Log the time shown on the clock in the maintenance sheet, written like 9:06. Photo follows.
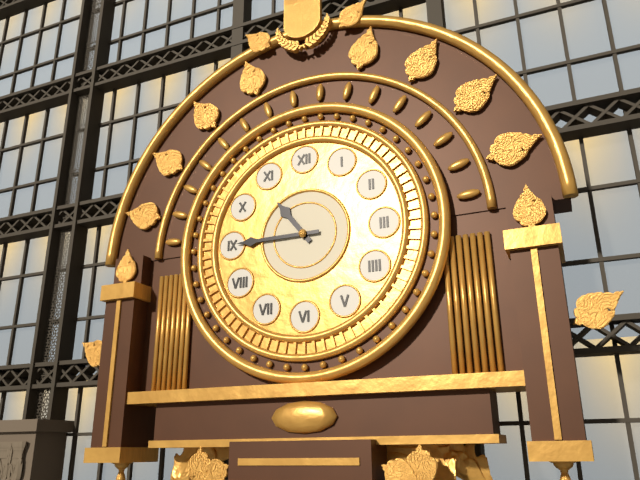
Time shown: 10:45
